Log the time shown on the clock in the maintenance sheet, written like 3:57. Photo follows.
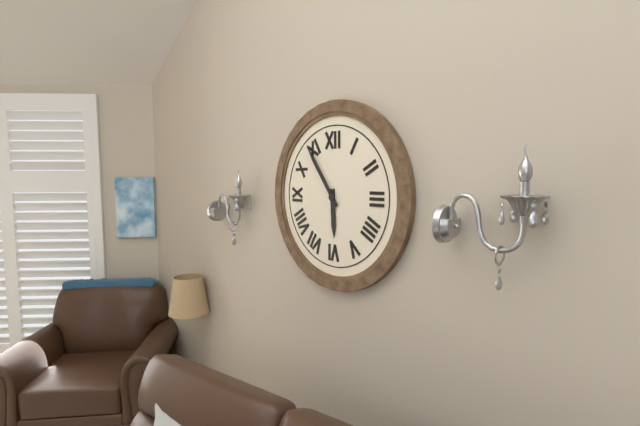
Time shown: 5:54
